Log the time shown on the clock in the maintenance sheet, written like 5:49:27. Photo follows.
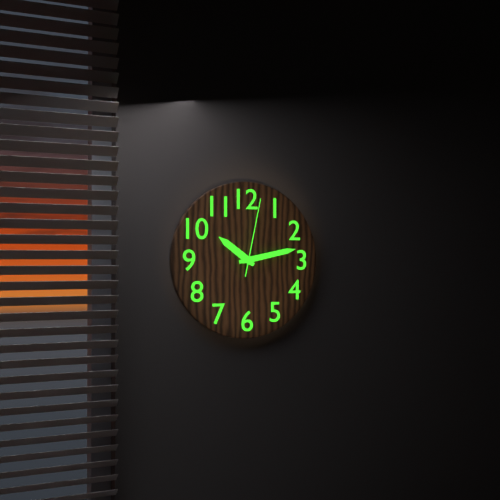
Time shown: 10:13:02
